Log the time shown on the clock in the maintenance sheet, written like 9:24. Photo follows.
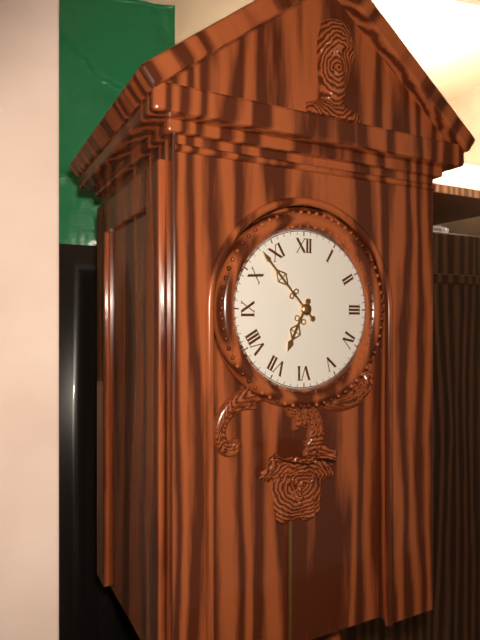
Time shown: 6:53
